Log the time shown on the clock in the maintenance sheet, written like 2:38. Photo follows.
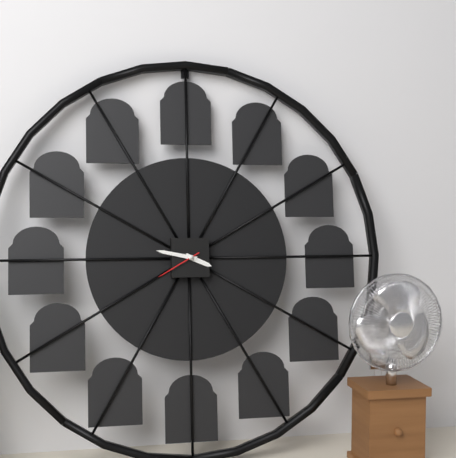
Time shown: 3:47
